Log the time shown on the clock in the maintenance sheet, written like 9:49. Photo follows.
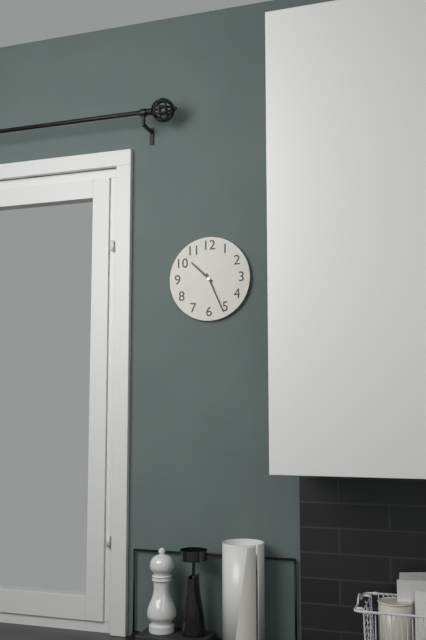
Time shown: 10:26
